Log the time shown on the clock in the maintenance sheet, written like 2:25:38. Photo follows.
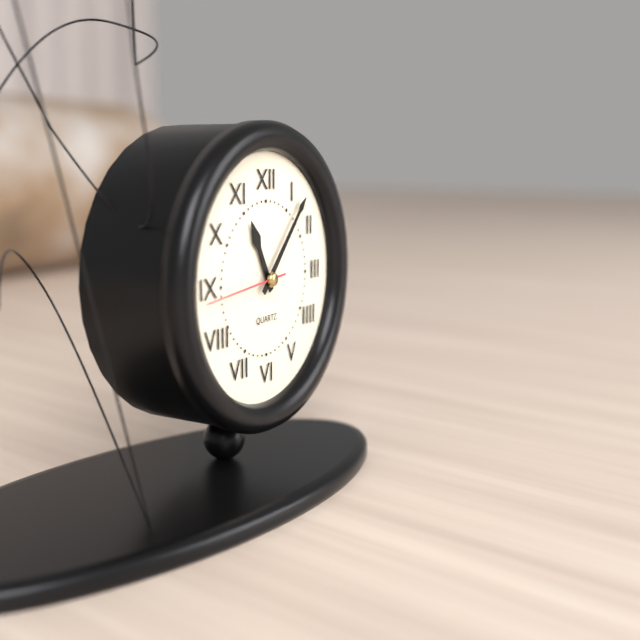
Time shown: 11:07:44
